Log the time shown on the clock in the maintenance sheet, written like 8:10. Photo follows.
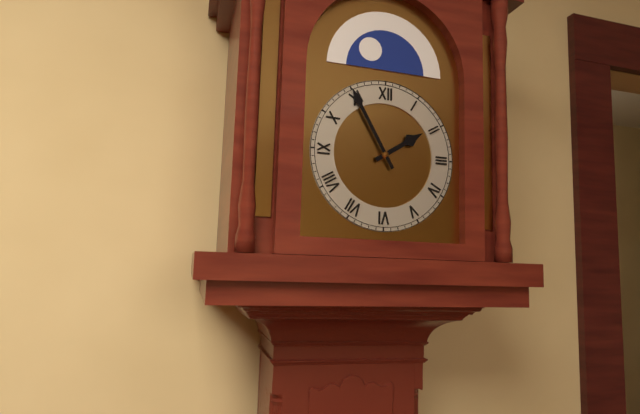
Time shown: 1:55
